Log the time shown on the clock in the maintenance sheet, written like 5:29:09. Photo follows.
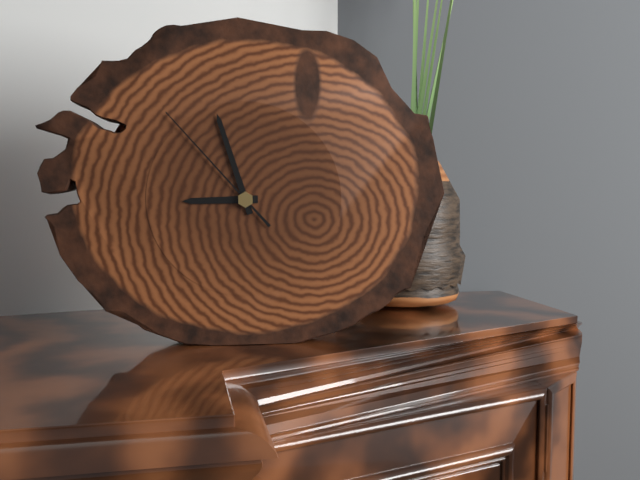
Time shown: 8:57:53
